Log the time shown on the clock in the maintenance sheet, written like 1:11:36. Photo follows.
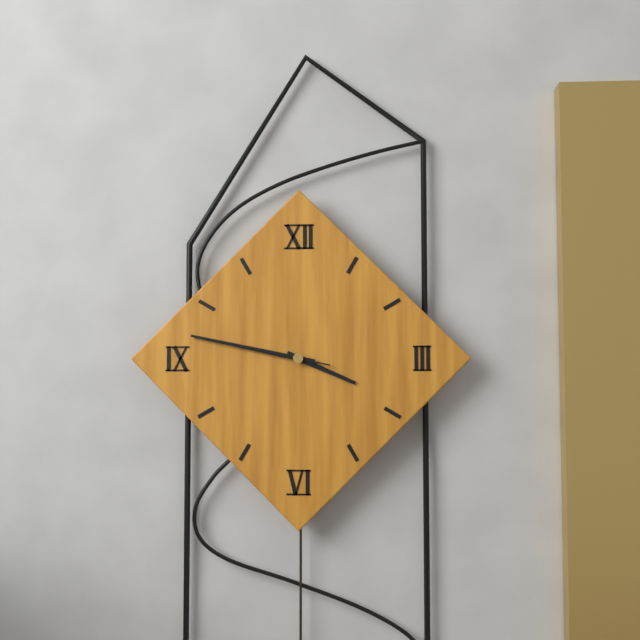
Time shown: 3:47:47
